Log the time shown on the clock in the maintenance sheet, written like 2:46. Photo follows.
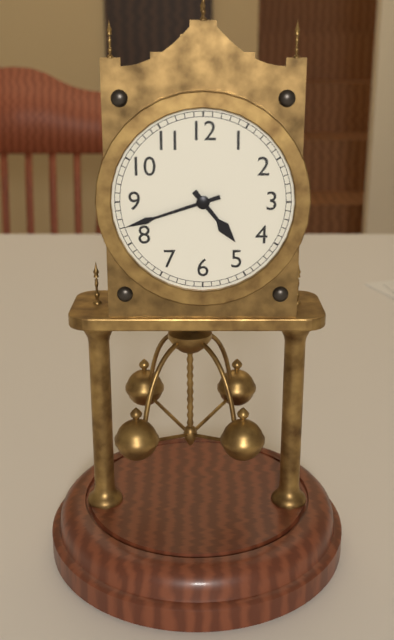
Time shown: 4:42
